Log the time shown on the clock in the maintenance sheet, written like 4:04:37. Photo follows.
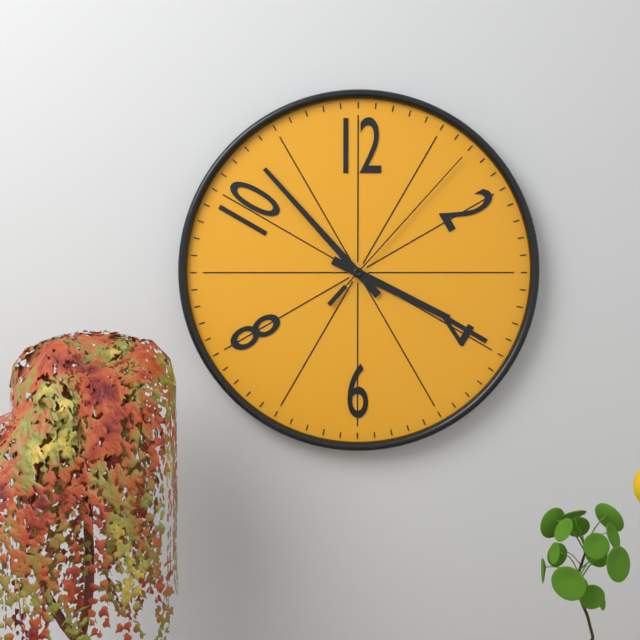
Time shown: 3:53:07
